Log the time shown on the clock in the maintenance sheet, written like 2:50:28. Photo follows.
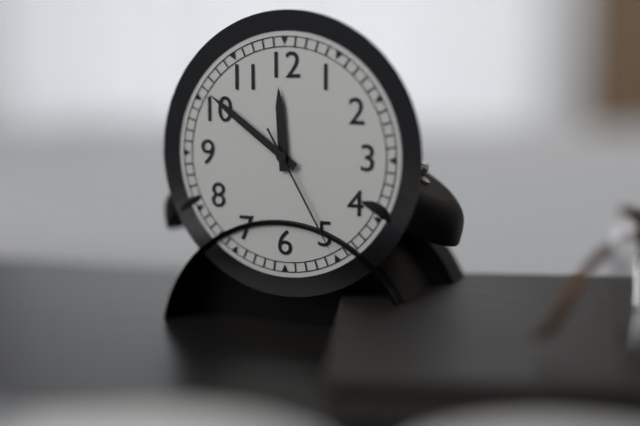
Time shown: 11:51:25
